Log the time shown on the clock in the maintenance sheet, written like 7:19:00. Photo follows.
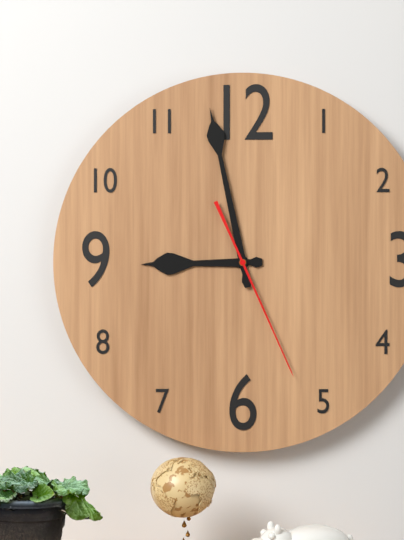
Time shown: 8:58:26
